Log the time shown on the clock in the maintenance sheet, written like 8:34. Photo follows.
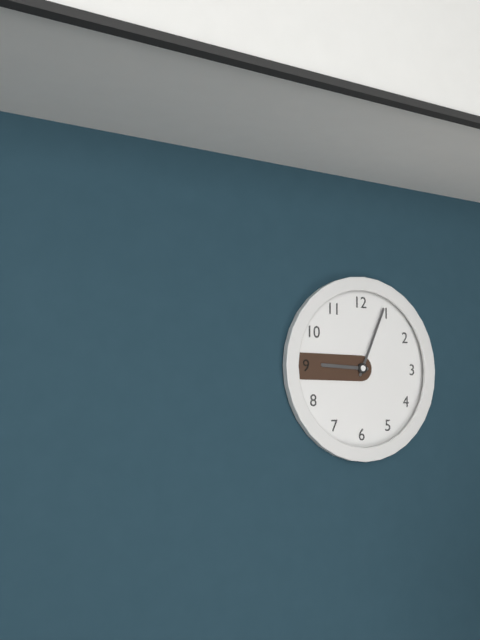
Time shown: 9:04
